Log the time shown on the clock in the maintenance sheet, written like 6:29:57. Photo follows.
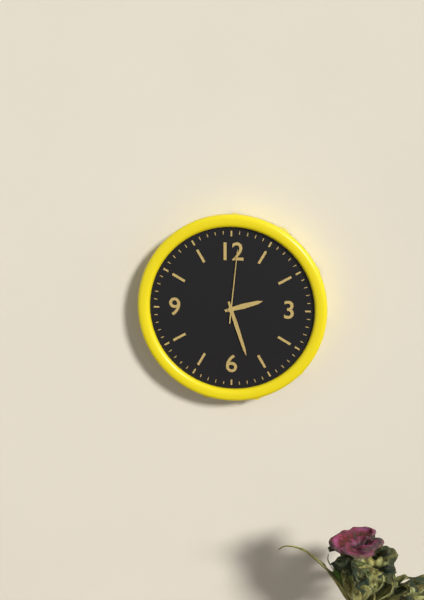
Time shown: 2:27:01
